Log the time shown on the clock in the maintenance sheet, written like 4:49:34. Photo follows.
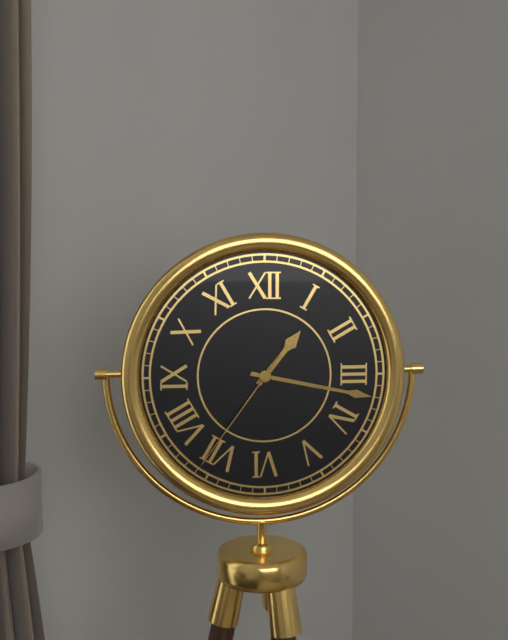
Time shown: 1:17:36
